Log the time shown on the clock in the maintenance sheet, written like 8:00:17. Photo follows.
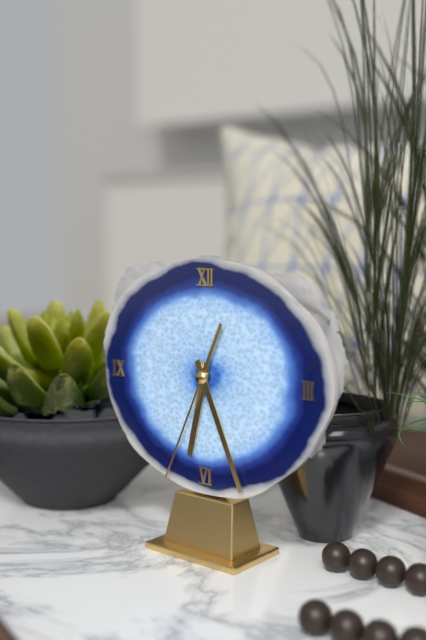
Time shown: 6:26:34
